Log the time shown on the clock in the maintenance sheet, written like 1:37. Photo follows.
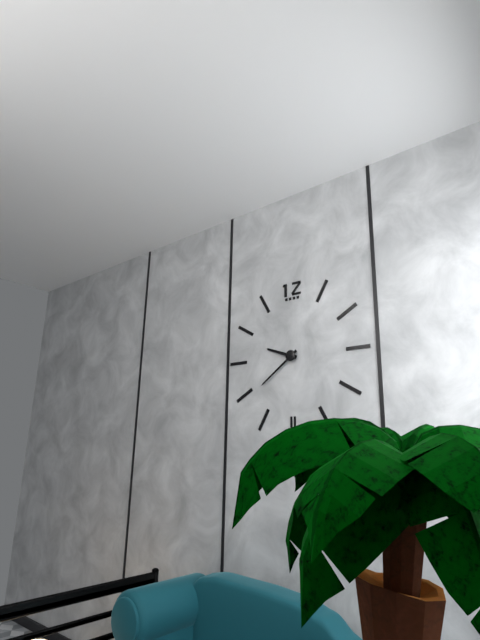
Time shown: 9:39
